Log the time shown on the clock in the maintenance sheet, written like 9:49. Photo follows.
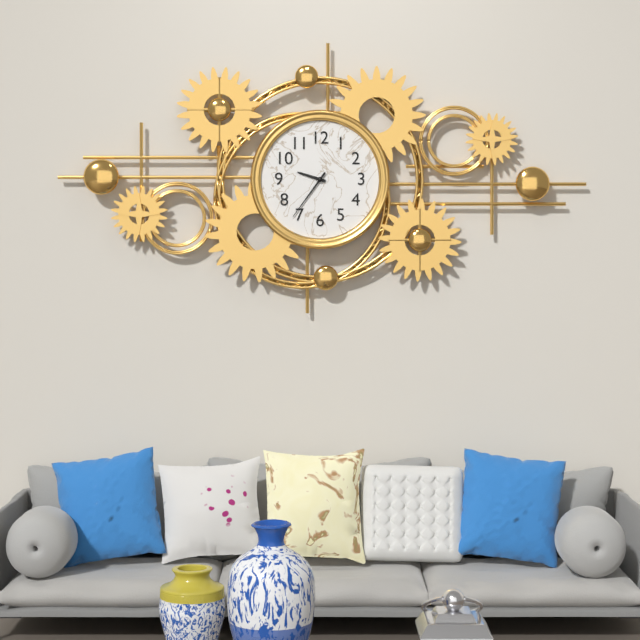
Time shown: 9:36
